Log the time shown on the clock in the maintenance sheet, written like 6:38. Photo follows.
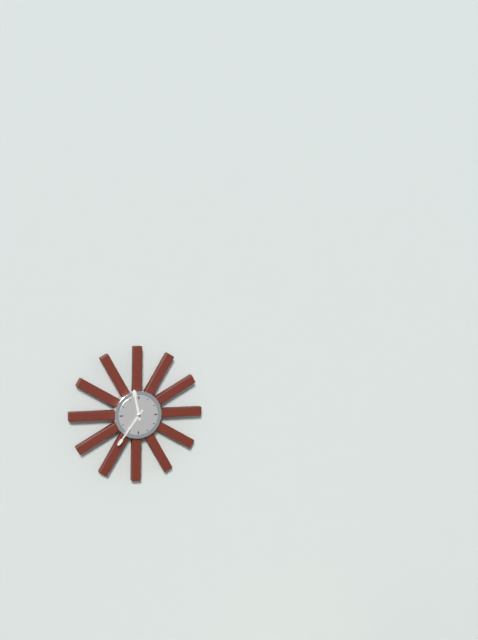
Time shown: 11:36
